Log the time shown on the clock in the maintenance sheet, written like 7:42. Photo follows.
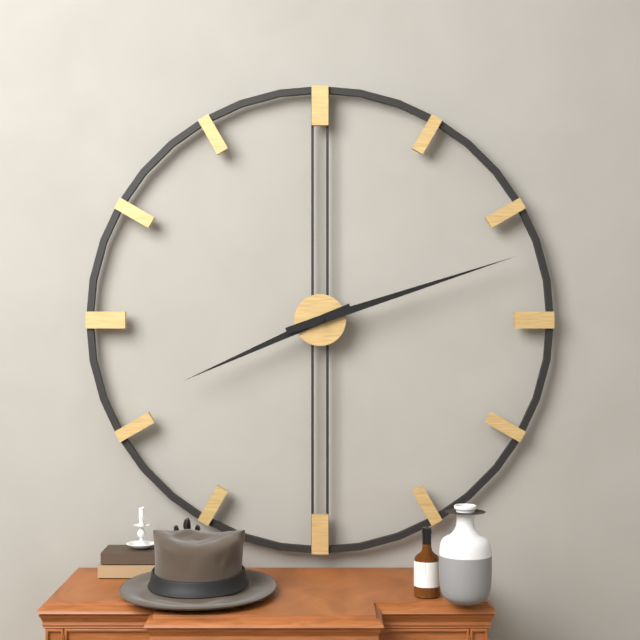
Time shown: 8:12
